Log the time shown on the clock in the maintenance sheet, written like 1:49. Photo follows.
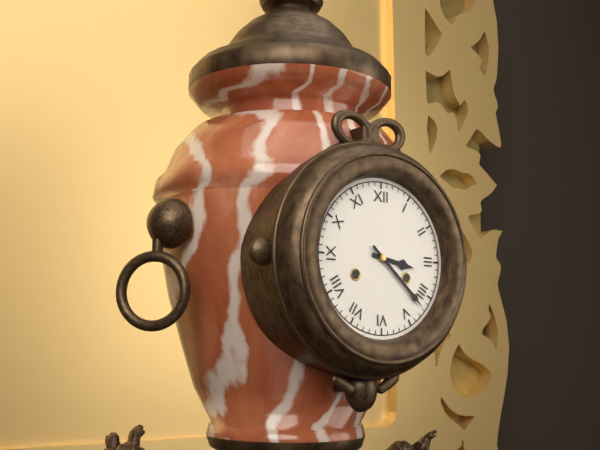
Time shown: 3:22
